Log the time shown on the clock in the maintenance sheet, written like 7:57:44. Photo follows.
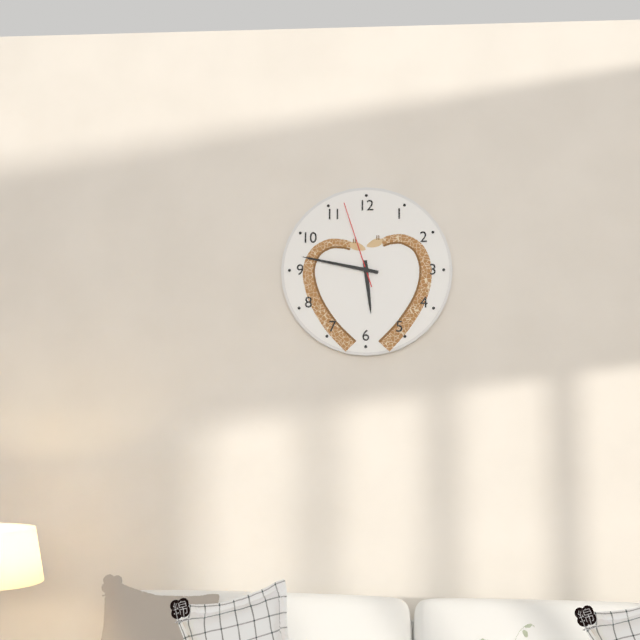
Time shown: 5:47:57
